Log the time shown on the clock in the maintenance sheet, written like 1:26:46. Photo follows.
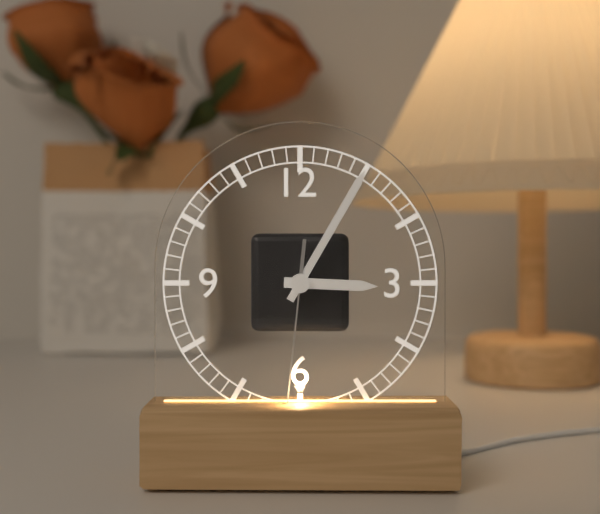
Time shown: 3:05:31
